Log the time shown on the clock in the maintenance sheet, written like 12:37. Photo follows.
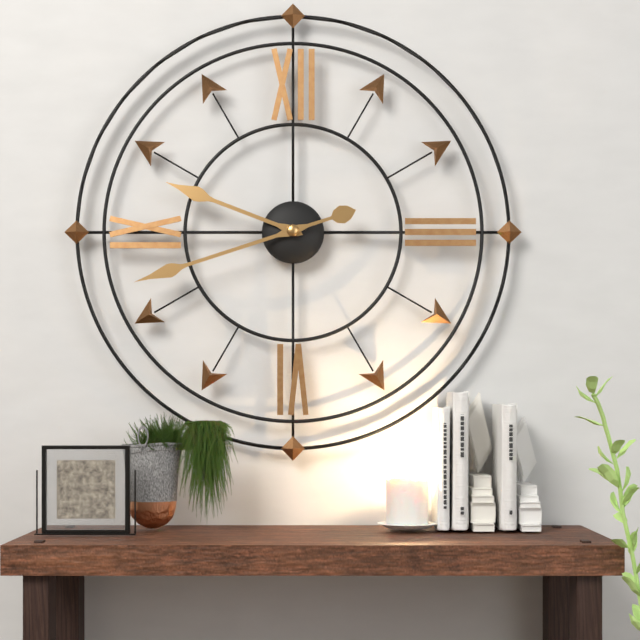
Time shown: 9:42
